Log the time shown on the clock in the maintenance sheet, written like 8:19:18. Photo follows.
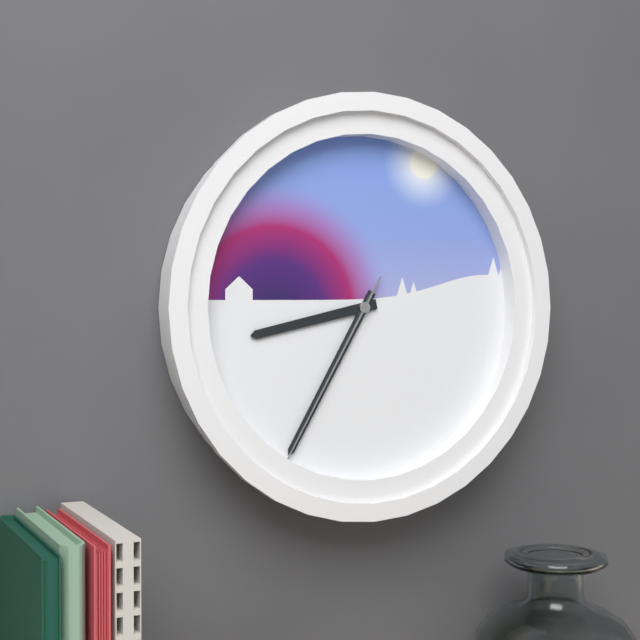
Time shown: 8:35:35
